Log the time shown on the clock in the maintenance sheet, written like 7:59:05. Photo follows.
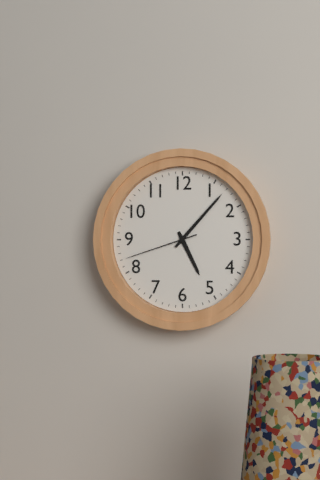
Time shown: 5:07:42
